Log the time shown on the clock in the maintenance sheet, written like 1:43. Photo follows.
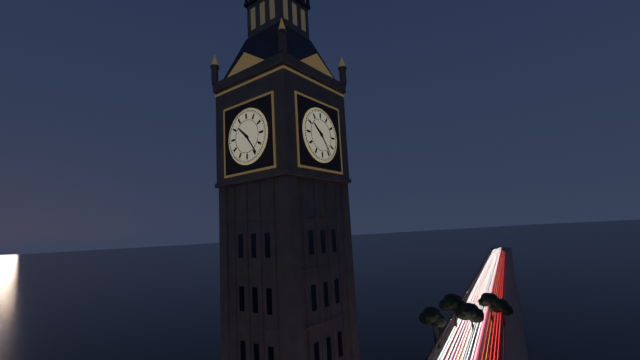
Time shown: 10:24
